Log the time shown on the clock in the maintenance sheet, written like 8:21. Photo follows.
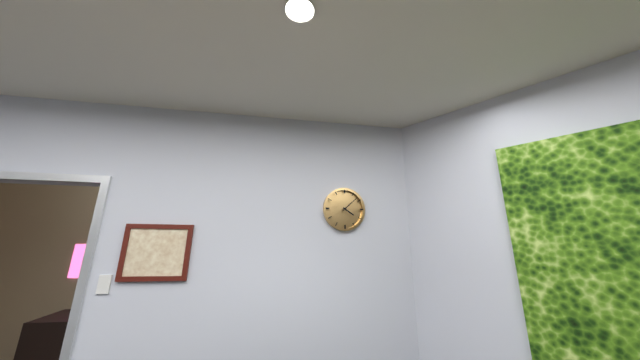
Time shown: 4:08
